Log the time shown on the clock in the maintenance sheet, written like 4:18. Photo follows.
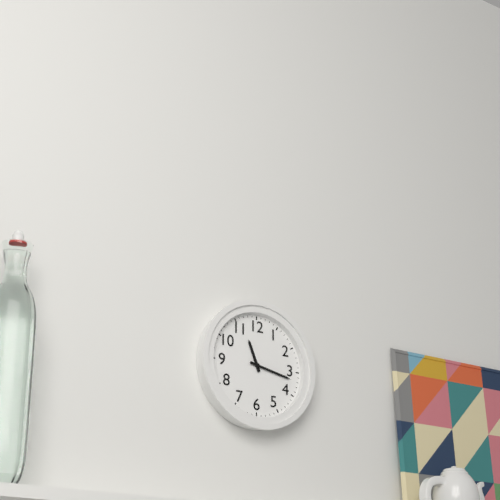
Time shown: 11:17
